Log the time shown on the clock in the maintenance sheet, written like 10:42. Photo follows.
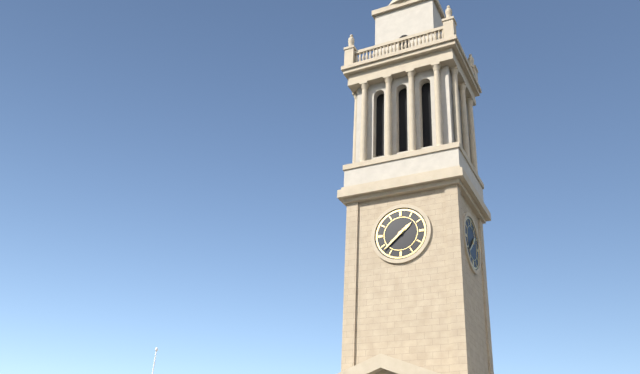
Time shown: 1:38
